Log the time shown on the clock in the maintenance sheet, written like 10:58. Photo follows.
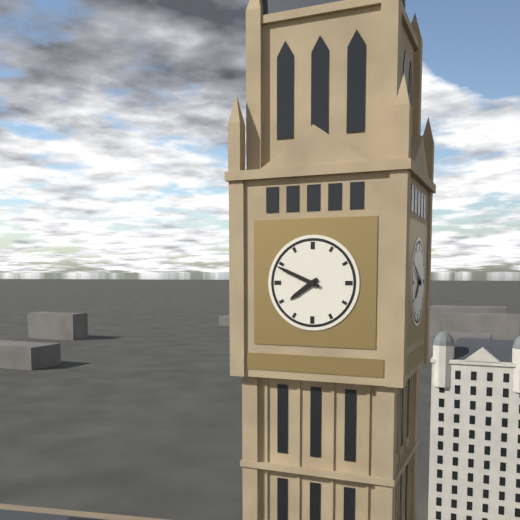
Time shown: 7:49
